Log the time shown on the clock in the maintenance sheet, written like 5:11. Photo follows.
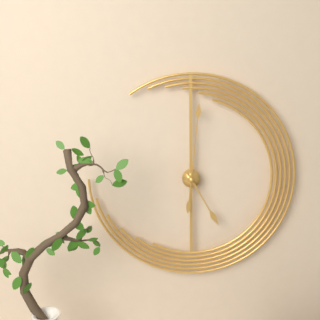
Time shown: 5:01
